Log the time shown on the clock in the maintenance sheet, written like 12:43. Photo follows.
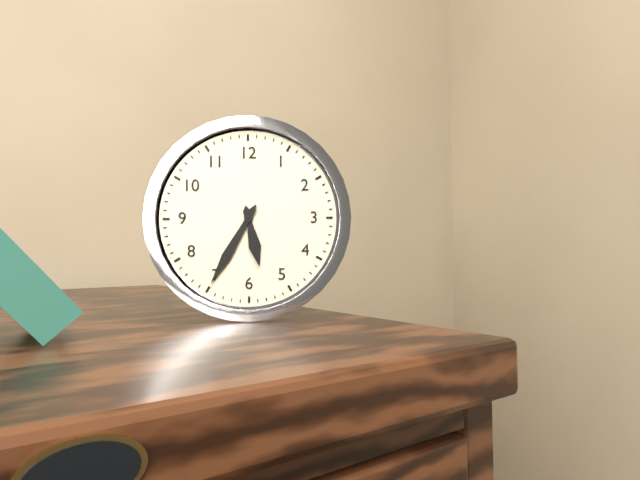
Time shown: 5:35
